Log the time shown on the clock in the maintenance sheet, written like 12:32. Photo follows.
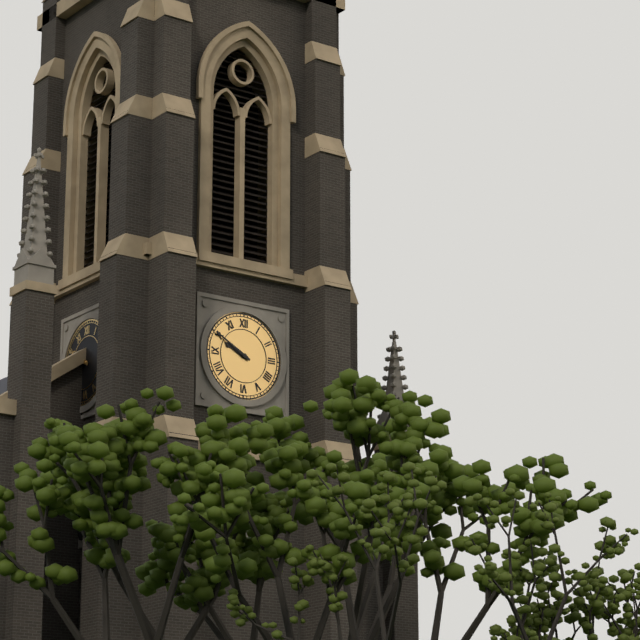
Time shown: 9:50
